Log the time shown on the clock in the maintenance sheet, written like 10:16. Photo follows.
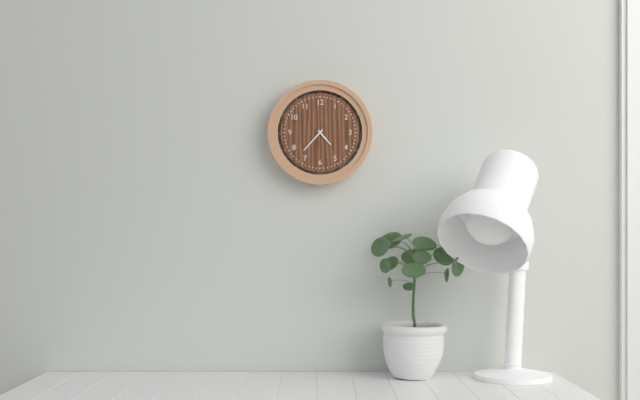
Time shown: 4:37
